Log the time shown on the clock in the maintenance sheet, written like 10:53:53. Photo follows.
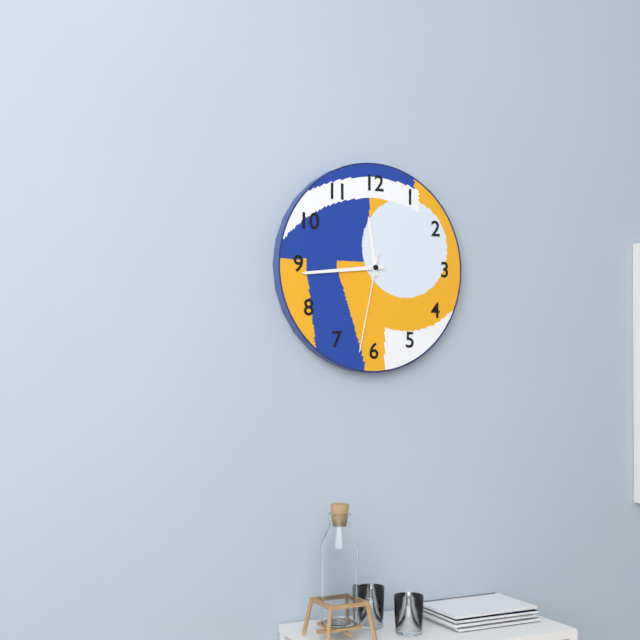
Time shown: 11:44:32
